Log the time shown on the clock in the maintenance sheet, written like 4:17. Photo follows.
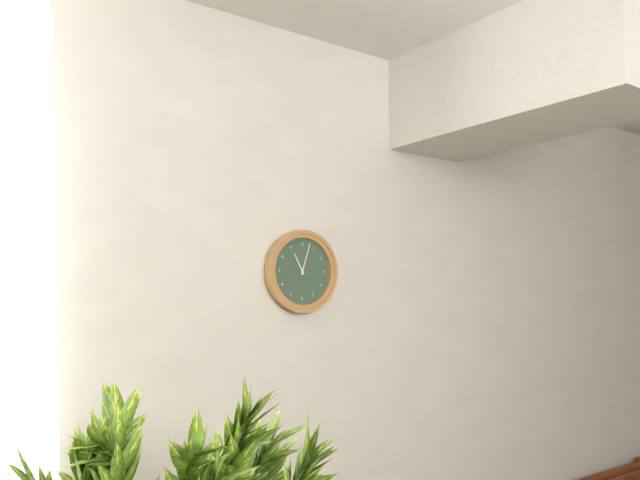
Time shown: 11:03
